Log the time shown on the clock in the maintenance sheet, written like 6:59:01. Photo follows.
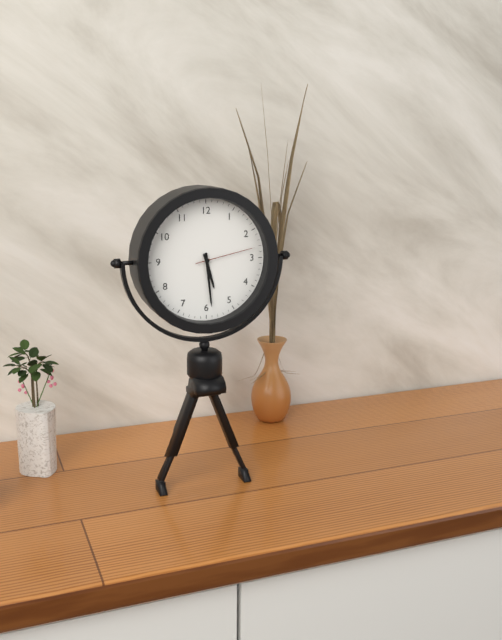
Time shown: 5:29:13
